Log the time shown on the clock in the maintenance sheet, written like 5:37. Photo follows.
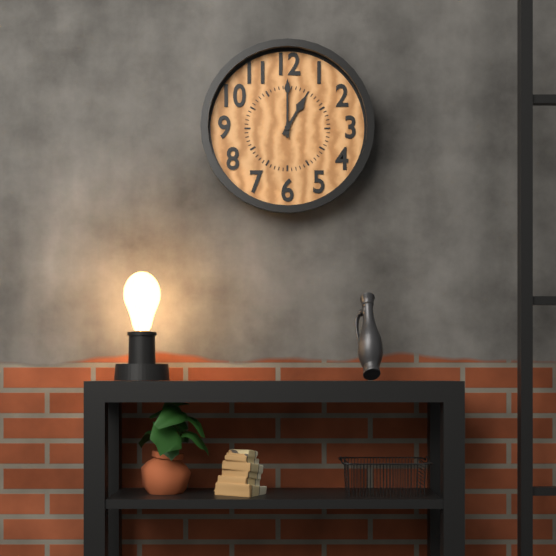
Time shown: 1:00
